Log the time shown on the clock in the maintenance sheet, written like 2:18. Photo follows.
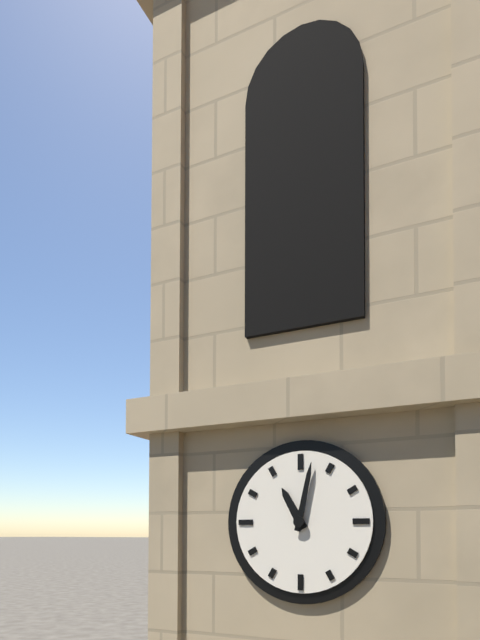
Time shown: 11:02
